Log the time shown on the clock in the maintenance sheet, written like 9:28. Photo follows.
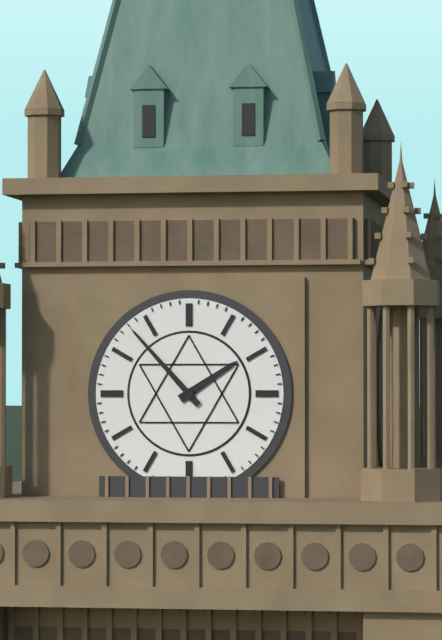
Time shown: 1:53
